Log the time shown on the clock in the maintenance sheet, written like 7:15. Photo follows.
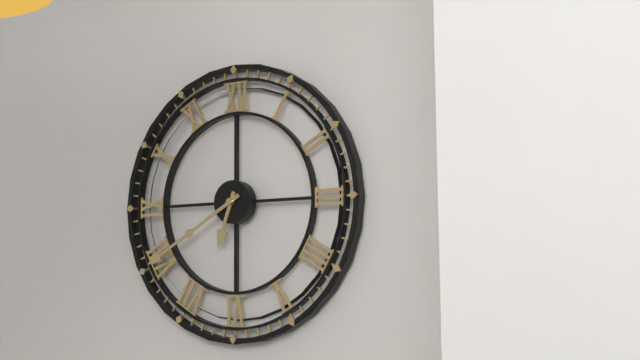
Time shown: 6:40
